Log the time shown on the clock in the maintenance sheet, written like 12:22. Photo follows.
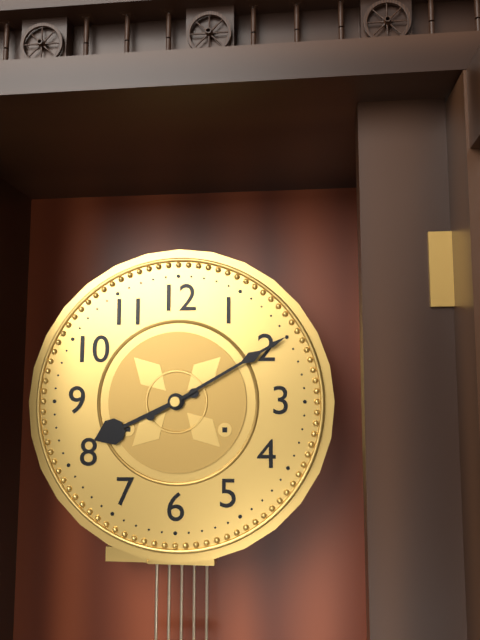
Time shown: 8:10
